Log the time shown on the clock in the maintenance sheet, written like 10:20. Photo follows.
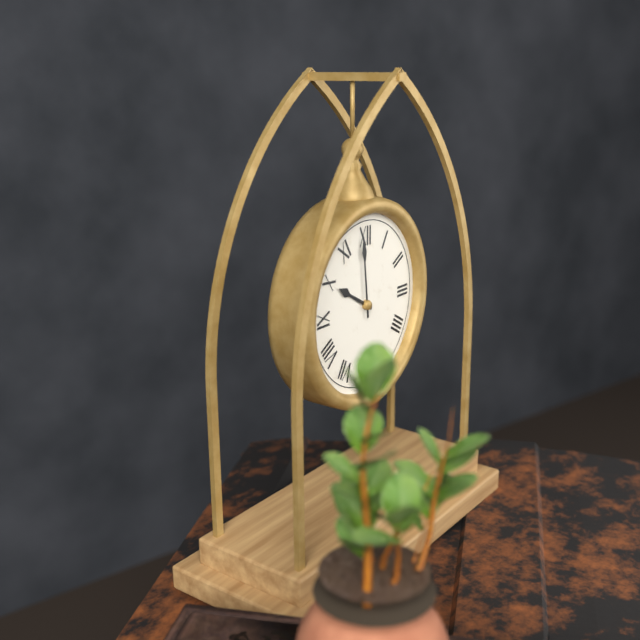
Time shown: 9:59
